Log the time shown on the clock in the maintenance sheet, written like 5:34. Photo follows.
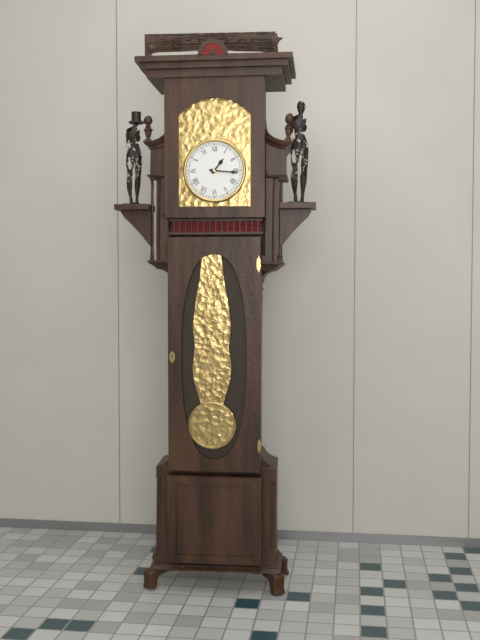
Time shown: 1:16
